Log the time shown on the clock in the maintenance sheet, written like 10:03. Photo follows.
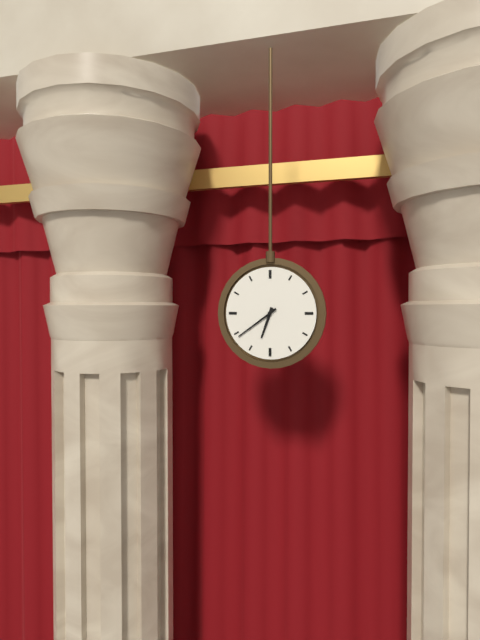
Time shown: 6:39
